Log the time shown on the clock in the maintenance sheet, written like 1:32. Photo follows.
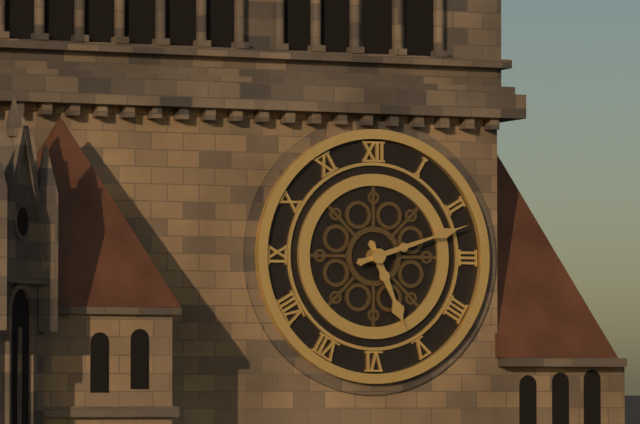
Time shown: 5:12
